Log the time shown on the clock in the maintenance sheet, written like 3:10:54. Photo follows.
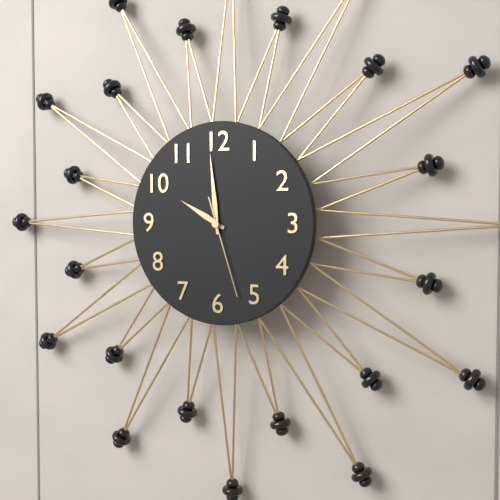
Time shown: 9:59:27
